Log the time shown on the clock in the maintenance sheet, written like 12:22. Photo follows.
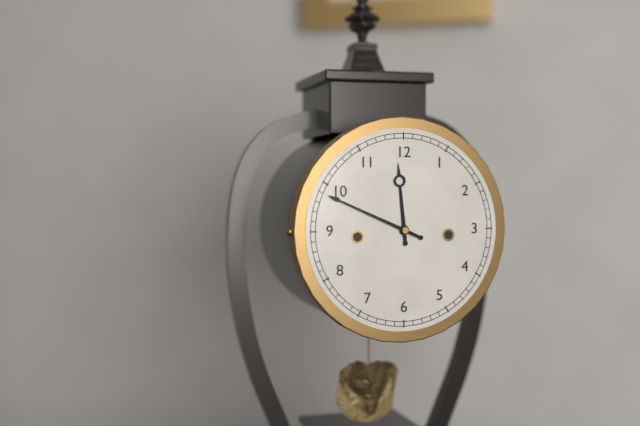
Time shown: 11:49
